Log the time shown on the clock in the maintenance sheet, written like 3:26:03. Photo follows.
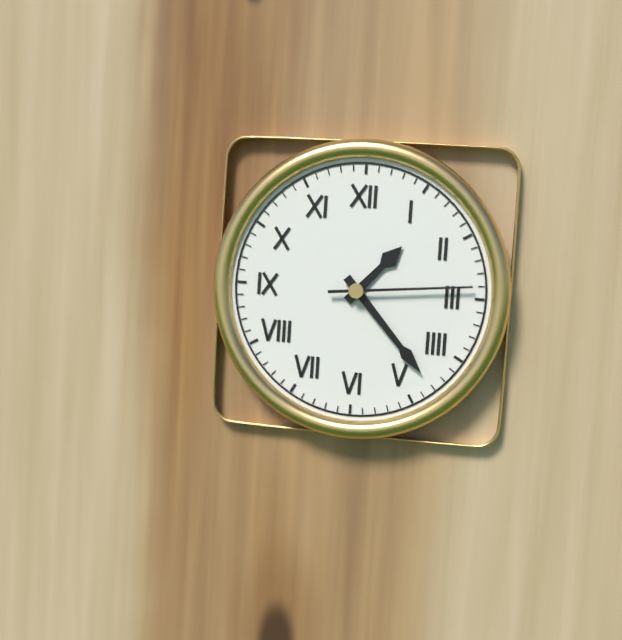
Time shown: 1:23:14
